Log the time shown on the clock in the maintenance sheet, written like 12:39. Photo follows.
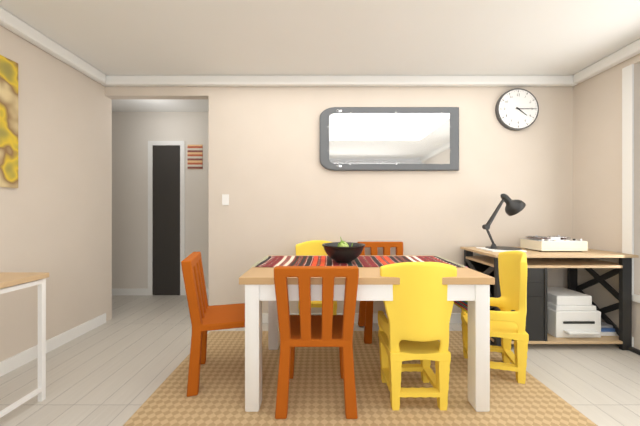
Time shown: 4:15
